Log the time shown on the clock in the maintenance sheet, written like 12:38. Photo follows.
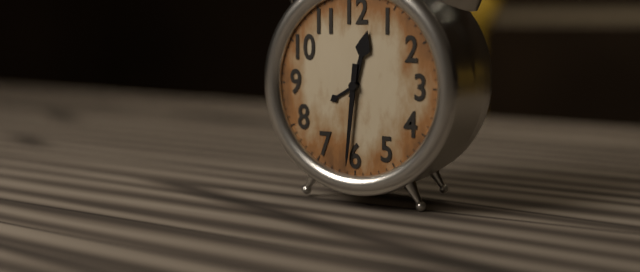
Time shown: 12:31
